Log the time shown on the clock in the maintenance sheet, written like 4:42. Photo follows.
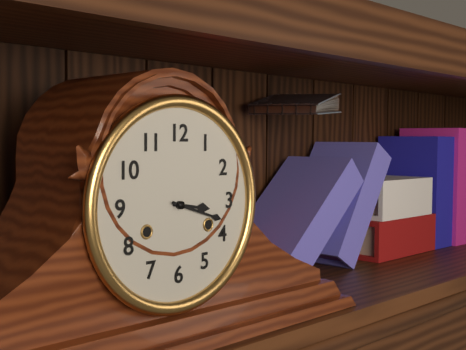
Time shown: 3:18
